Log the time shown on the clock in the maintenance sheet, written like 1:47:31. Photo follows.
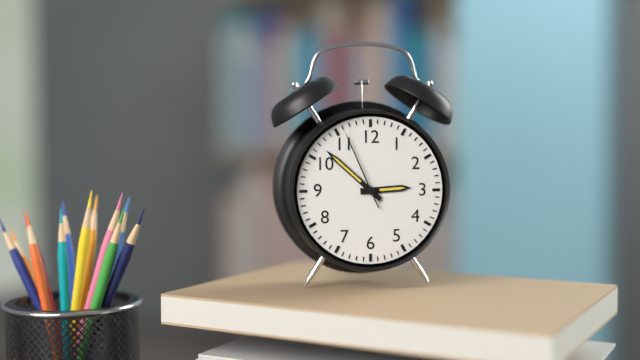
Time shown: 2:52:56
